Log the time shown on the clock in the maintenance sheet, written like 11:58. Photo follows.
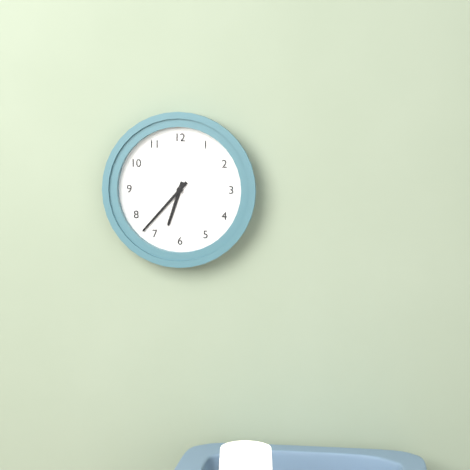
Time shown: 6:37
